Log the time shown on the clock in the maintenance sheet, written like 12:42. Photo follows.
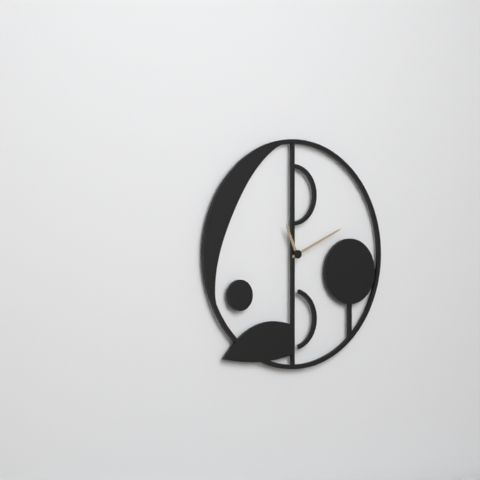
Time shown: 11:11
